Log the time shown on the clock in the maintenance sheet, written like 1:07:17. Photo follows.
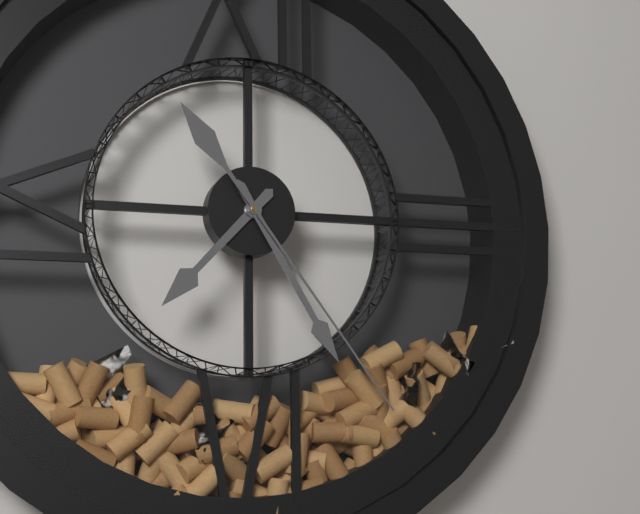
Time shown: 7:25:24
